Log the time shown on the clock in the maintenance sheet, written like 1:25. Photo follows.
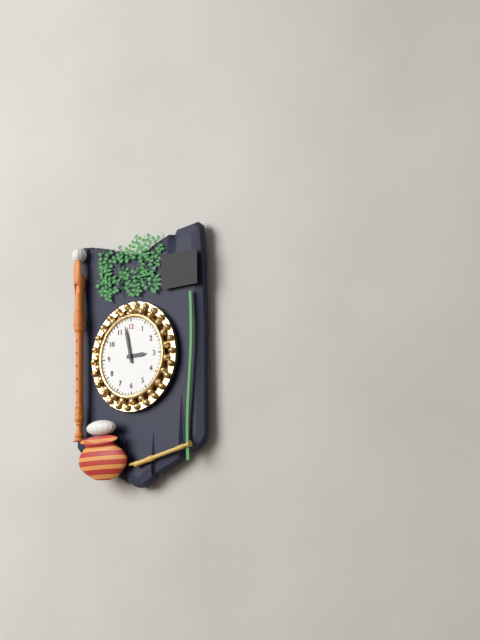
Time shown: 2:58
